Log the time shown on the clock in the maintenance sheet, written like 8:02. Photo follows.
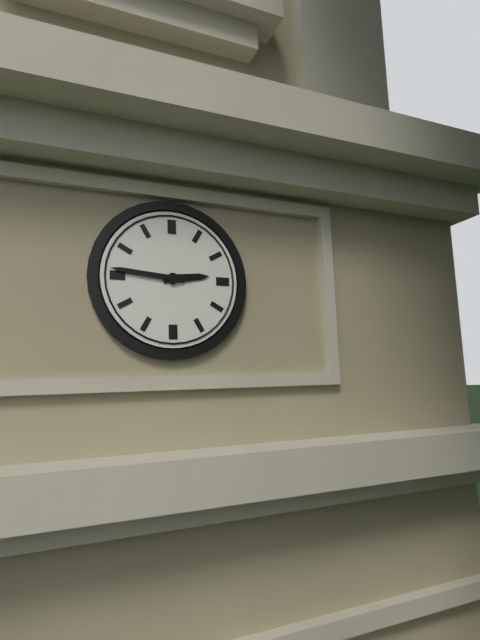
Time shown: 2:46
